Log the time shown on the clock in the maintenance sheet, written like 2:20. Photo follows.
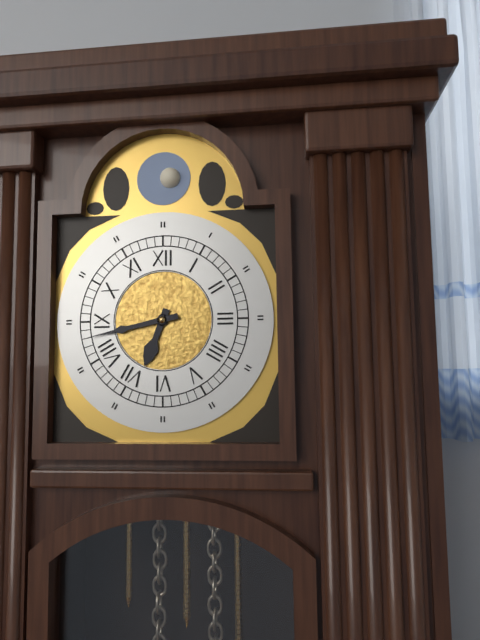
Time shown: 6:43
